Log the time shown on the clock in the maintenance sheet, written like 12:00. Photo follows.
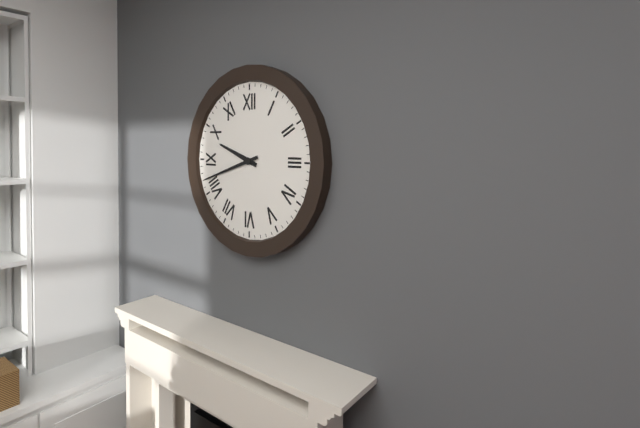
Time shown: 9:42
